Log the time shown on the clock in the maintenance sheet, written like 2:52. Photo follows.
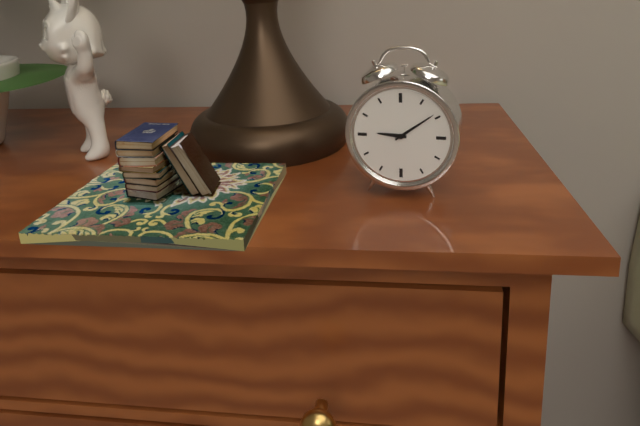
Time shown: 9:09
